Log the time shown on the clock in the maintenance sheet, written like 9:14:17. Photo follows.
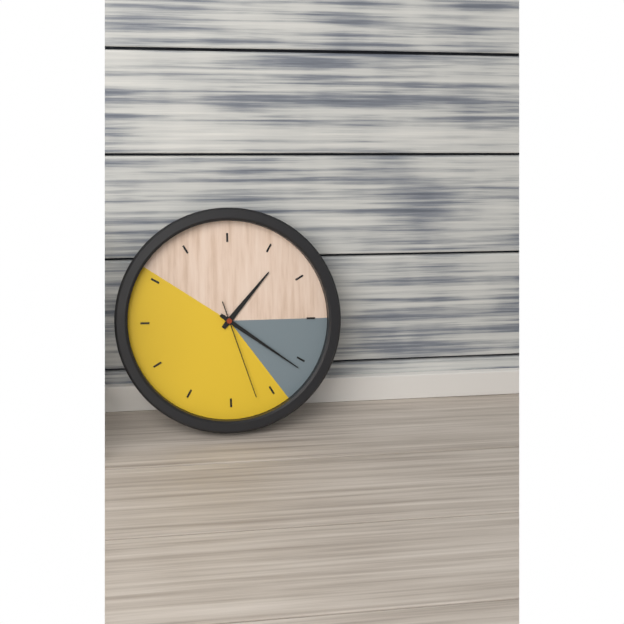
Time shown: 1:21:27
